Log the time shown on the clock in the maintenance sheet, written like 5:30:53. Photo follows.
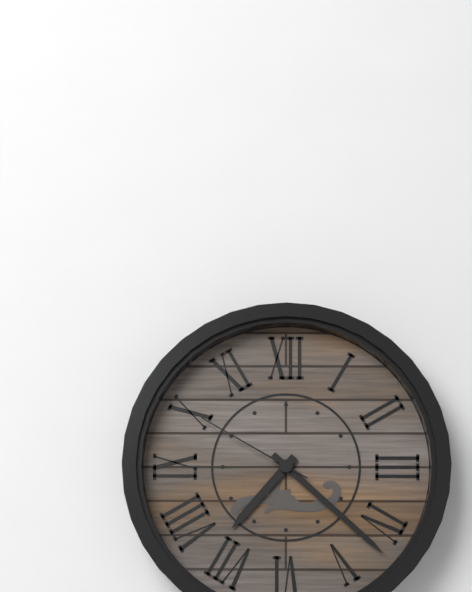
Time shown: 7:22:50
